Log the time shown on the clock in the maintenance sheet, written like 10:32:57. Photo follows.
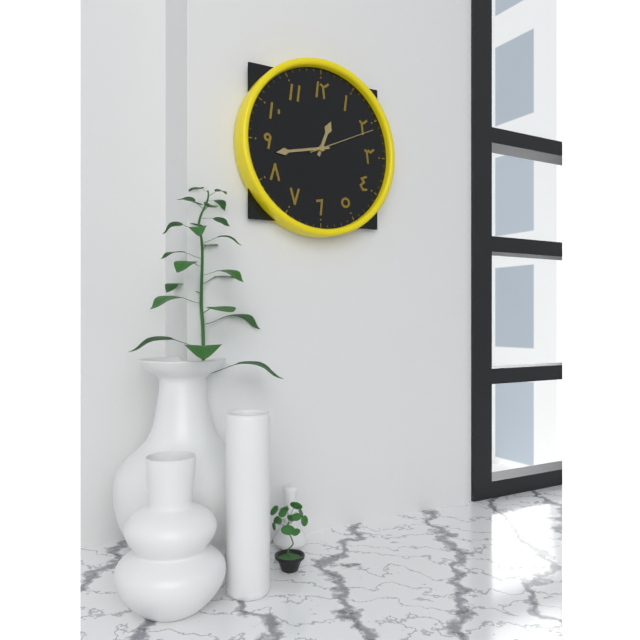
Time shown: 12:43:11
